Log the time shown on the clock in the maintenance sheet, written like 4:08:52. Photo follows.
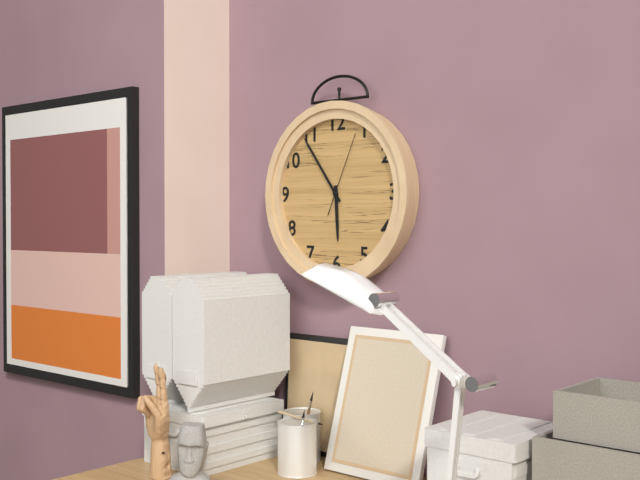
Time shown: 5:54:04
